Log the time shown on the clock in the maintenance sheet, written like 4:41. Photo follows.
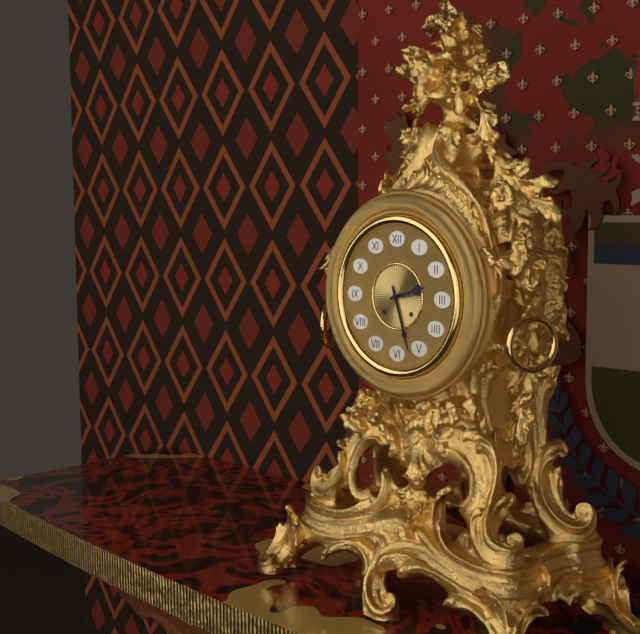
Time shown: 2:27
